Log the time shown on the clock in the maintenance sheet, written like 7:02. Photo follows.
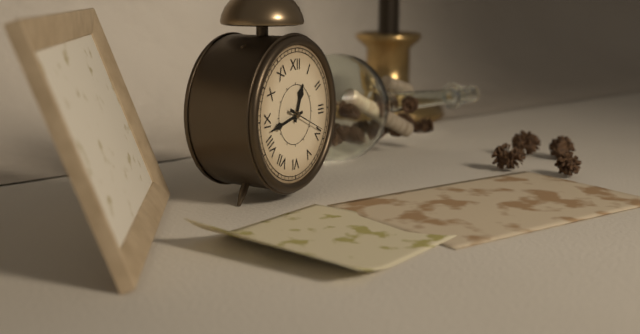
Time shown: 12:43
